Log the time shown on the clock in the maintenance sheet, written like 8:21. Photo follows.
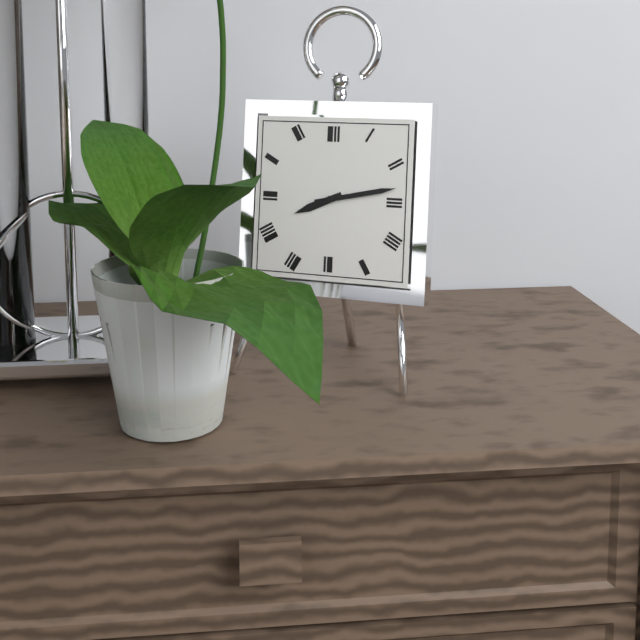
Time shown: 8:13
